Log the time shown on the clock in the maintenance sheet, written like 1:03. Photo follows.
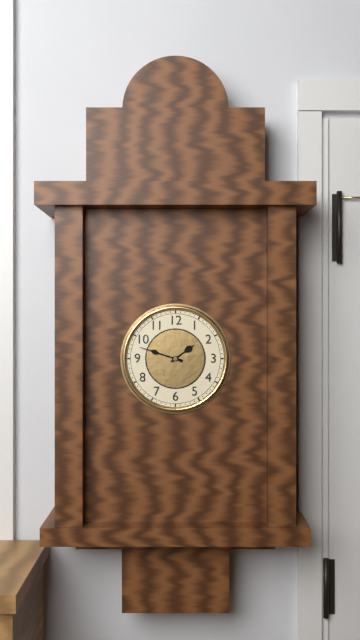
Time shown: 1:48
